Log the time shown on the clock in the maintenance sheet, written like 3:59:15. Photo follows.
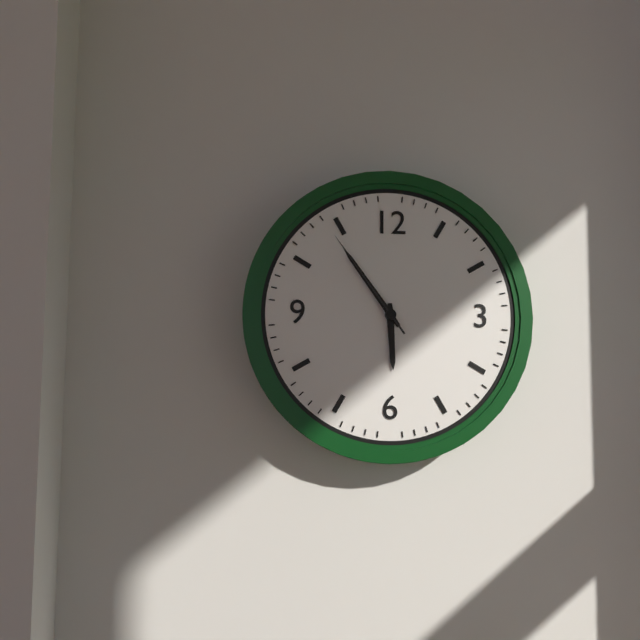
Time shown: 5:54:54
